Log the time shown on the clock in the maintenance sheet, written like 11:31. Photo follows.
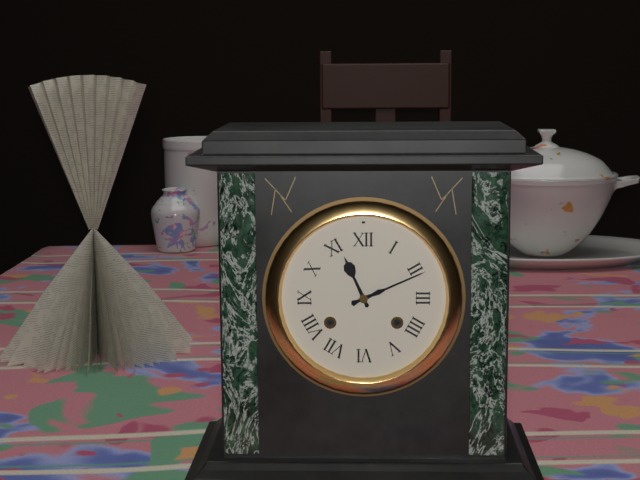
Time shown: 11:11
